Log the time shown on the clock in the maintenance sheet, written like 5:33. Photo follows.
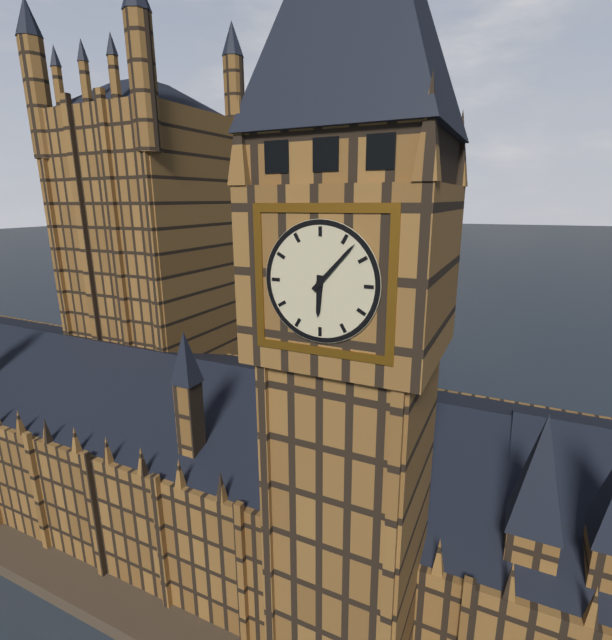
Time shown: 6:07
